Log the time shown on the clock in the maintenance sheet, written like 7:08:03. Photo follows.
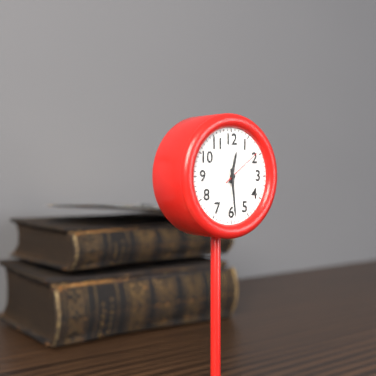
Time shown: 12:29:09
